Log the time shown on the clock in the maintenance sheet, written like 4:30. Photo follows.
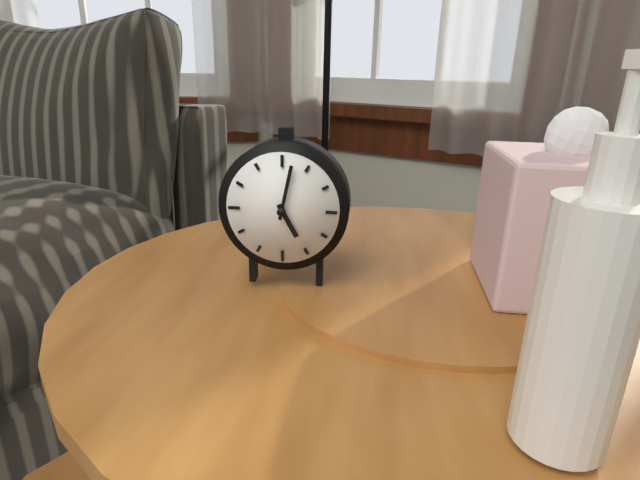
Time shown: 5:02
